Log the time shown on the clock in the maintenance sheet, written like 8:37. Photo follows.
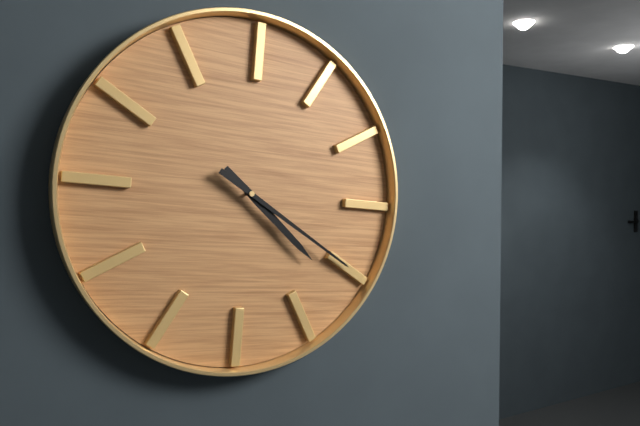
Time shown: 4:20
